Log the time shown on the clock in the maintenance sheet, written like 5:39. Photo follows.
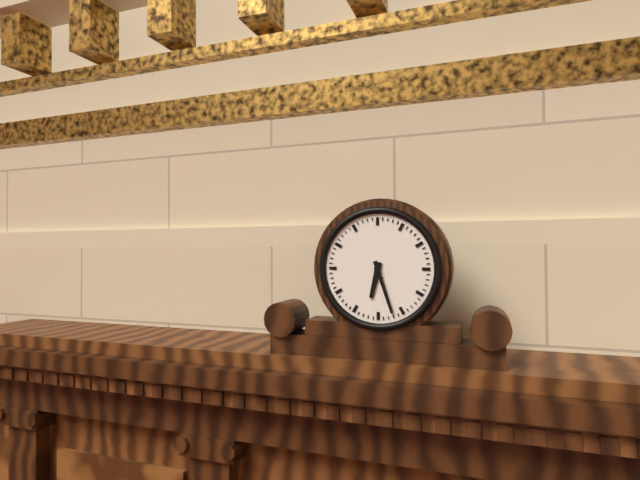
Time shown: 6:27
